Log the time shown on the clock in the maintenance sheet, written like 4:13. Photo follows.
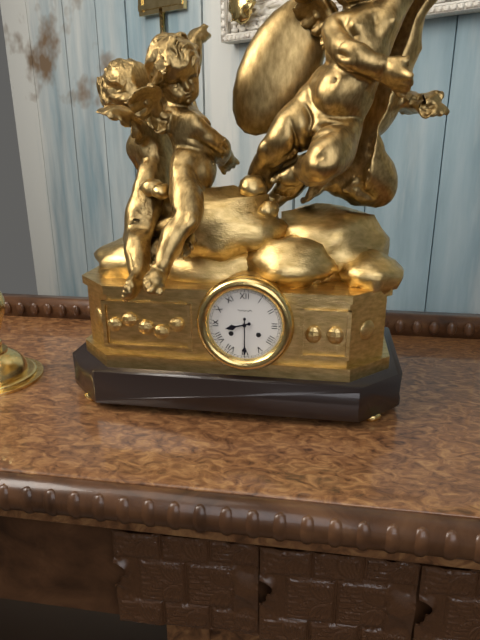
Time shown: 8:30
